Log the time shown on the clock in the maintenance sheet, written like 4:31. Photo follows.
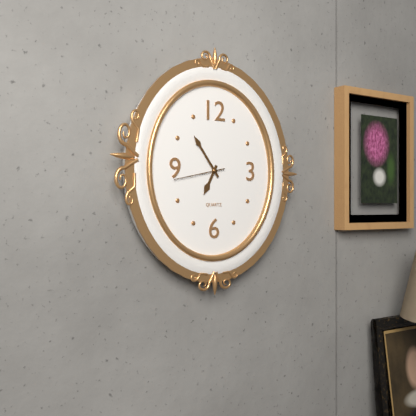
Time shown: 6:54
